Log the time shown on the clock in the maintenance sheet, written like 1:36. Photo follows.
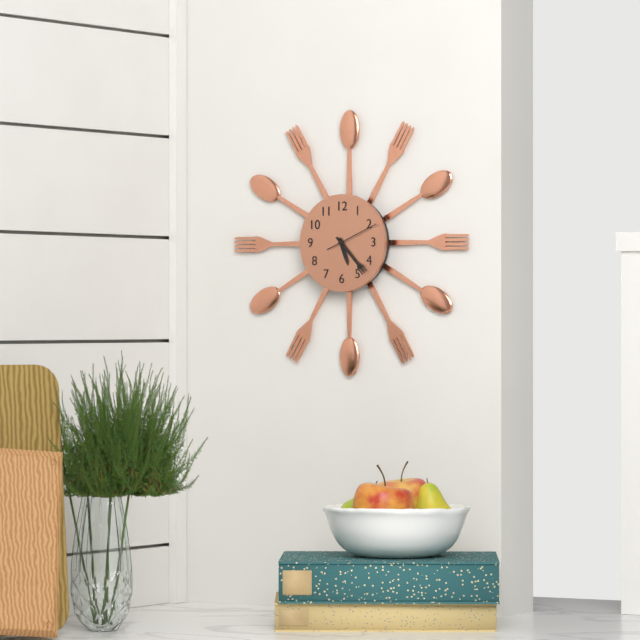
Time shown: 5:23
